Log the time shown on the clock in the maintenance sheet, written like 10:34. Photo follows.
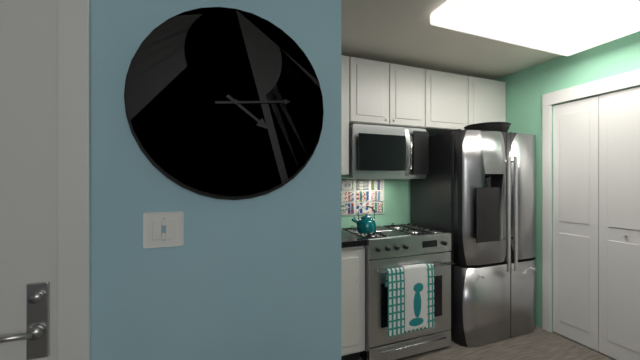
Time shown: 4:14
